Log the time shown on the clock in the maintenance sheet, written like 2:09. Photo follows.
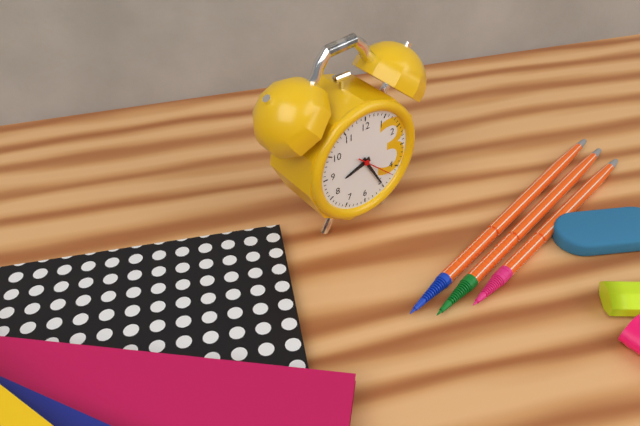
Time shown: 8:25
